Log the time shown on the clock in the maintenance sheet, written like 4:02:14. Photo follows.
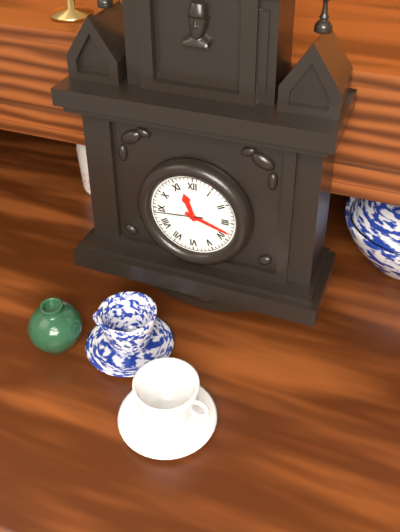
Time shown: 11:18:44
